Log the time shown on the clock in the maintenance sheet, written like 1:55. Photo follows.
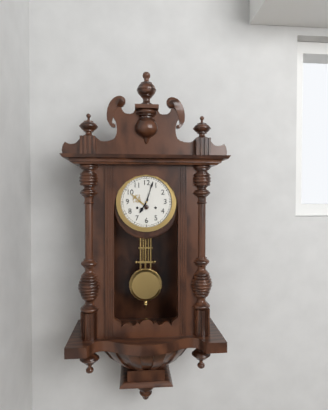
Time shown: 7:03
